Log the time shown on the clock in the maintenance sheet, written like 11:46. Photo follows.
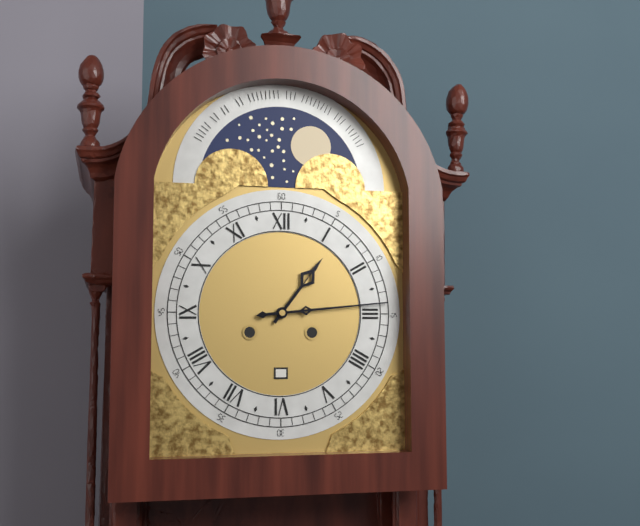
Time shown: 1:14
